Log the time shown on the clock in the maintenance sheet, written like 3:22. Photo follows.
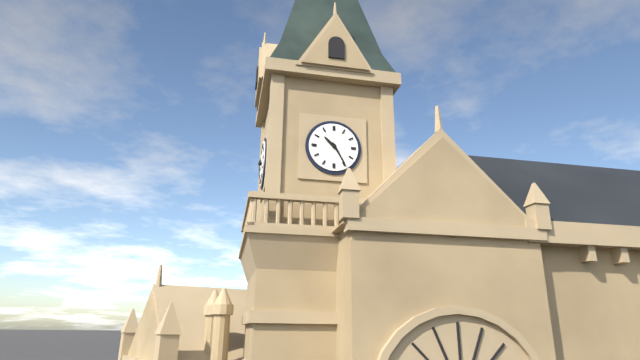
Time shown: 10:25
